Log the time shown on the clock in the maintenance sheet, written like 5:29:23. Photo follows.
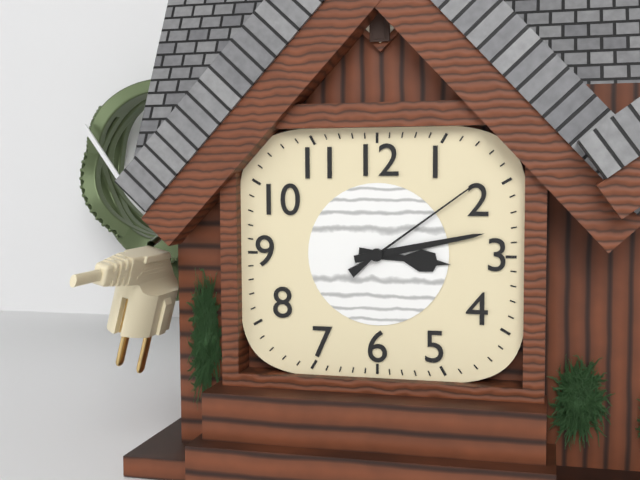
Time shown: 3:13:09
